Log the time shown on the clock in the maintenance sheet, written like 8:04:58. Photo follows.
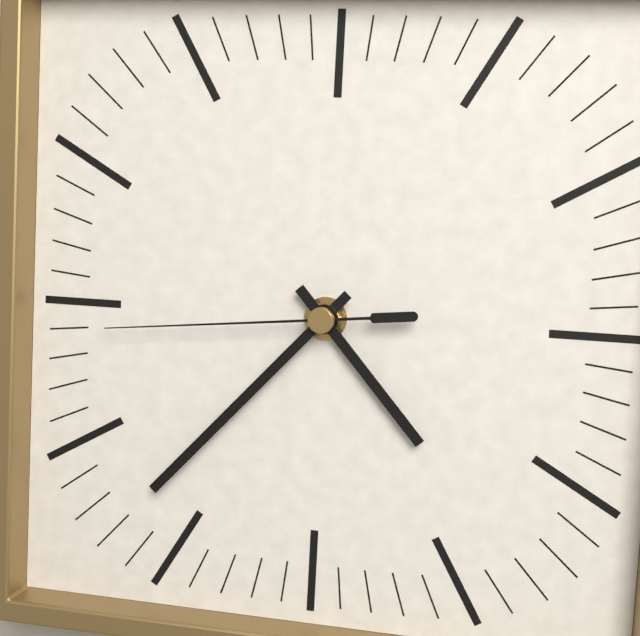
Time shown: 4:37:44
